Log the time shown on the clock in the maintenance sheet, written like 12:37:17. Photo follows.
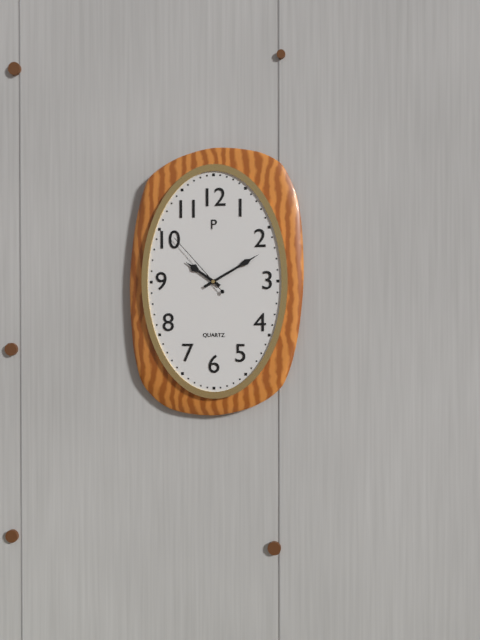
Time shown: 10:10:53
